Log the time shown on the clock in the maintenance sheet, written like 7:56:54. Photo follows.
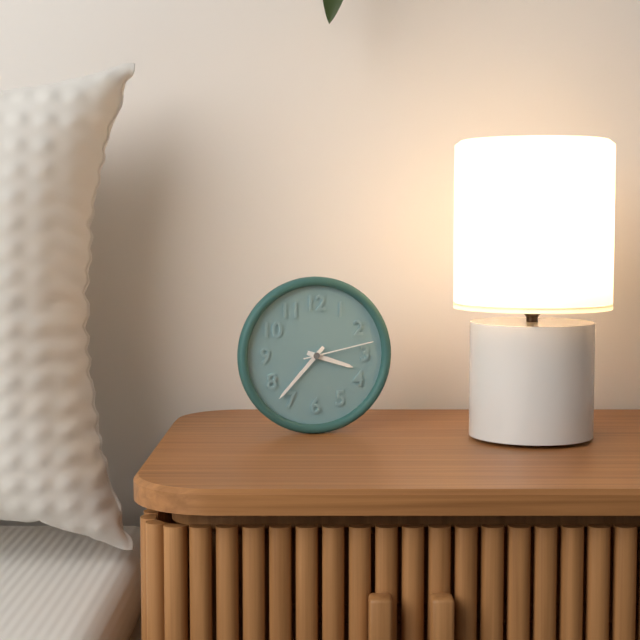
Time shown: 3:37:13
